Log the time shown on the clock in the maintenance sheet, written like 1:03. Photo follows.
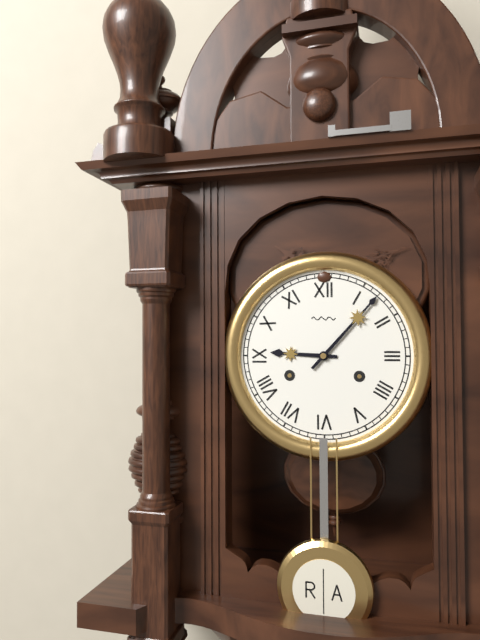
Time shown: 9:07
